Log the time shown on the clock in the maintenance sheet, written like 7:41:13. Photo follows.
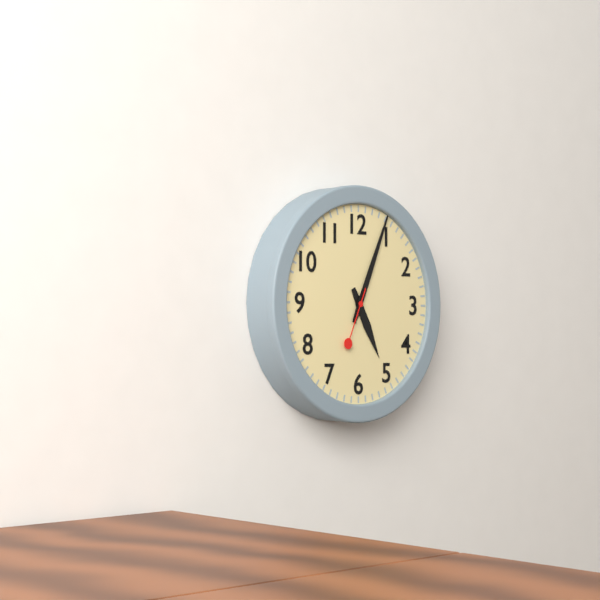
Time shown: 5:04:34
